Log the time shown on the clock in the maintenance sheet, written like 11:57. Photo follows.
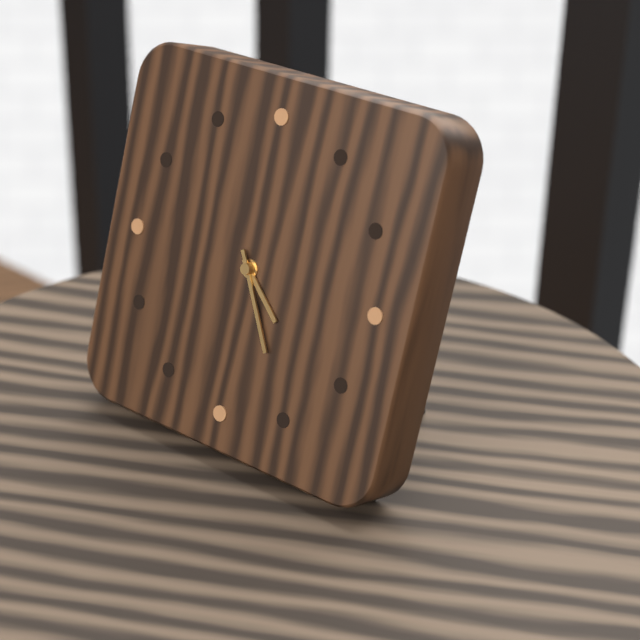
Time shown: 4:25
